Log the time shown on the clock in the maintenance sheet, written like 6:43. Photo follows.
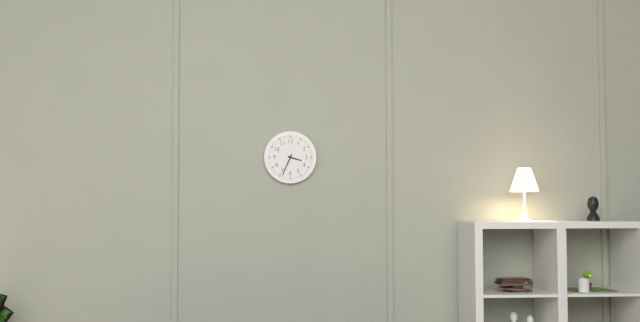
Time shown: 3:34
